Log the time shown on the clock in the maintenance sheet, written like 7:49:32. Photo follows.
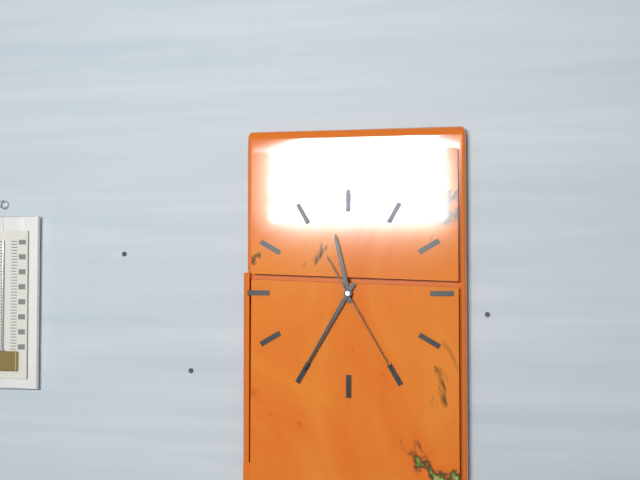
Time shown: 11:35:25
